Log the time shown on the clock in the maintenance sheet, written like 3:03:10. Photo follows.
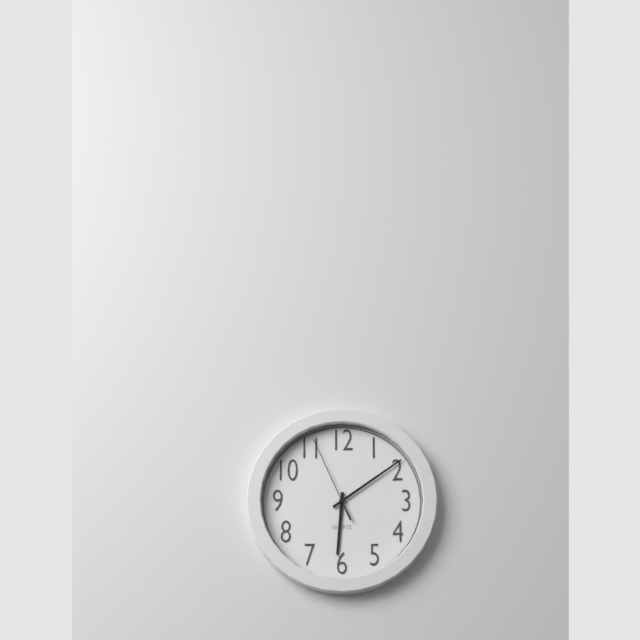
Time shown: 6:09:56
